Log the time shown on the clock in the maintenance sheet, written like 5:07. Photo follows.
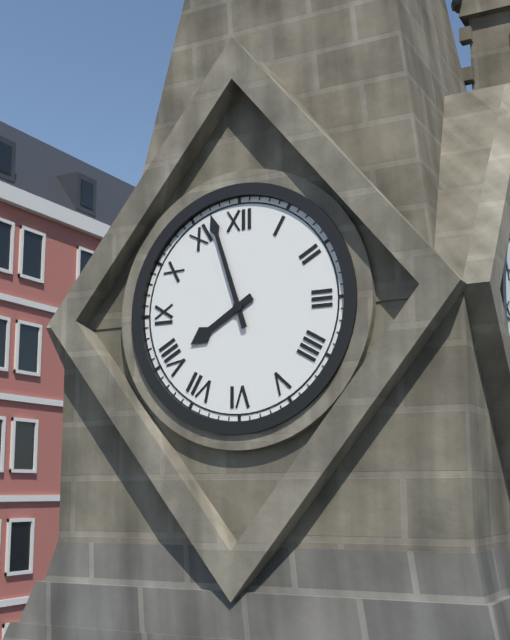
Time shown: 7:57
